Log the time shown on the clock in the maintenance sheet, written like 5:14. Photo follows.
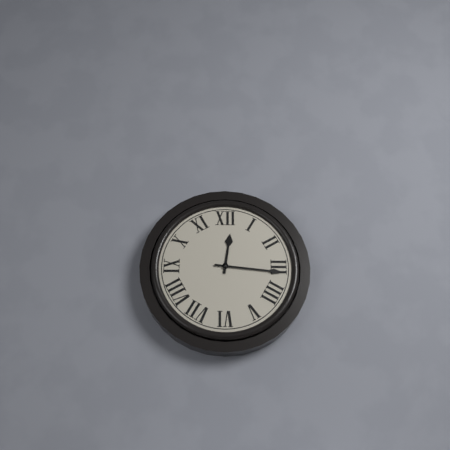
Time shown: 12:16
